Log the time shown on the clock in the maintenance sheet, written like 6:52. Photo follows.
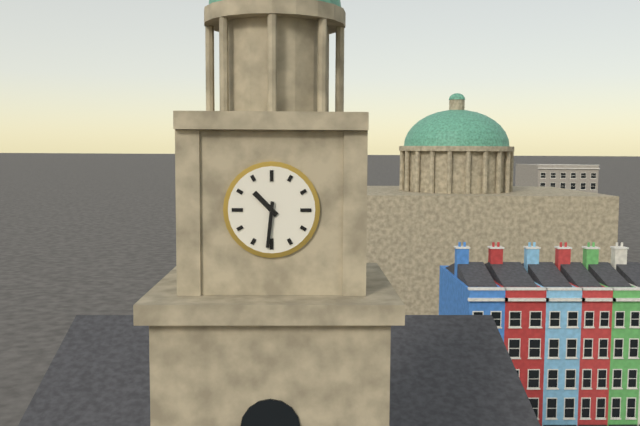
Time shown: 10:31
